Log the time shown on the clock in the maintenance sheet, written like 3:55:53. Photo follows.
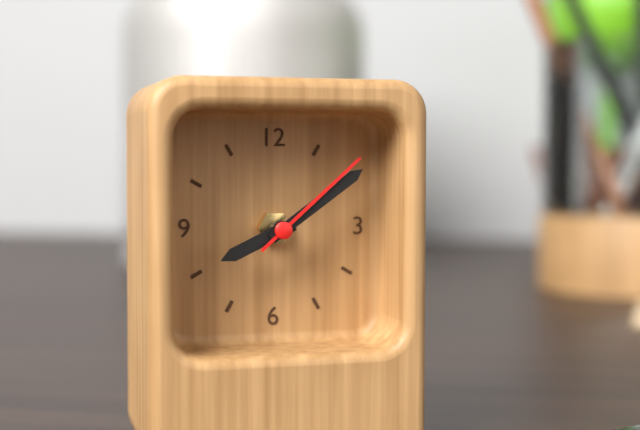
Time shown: 8:09:08
